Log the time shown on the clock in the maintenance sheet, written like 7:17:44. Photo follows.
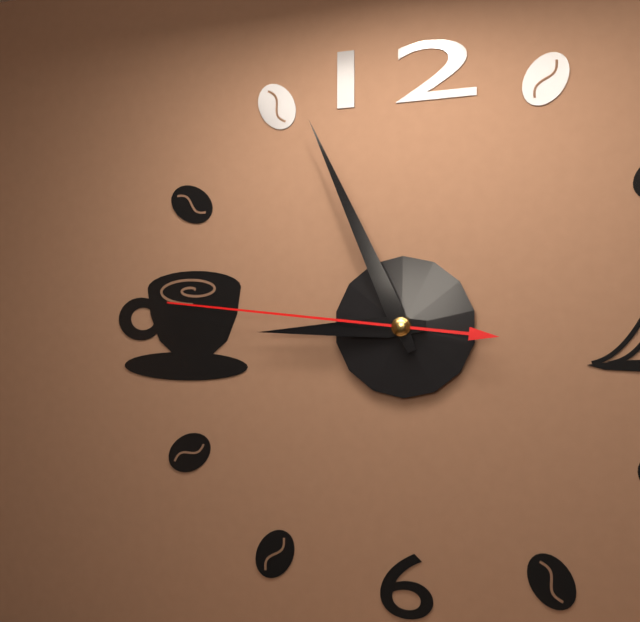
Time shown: 8:56:46
